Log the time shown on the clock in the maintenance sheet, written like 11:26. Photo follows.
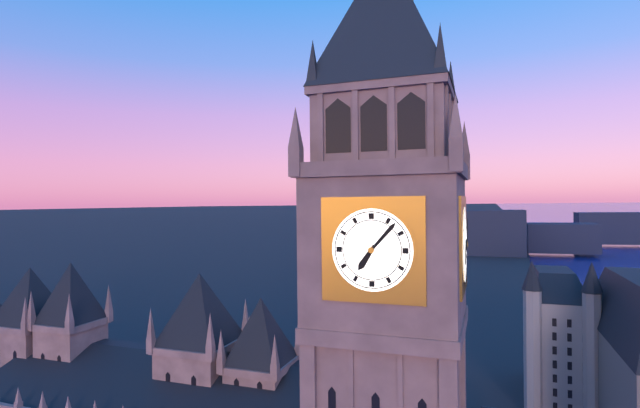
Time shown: 7:07
